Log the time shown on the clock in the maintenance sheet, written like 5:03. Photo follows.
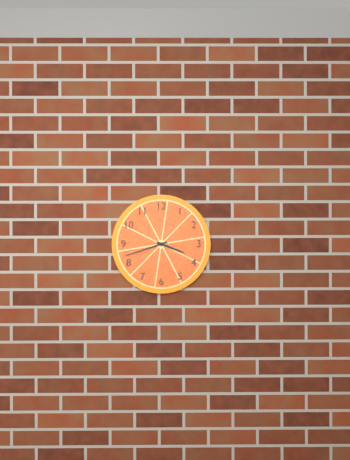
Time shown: 3:42
